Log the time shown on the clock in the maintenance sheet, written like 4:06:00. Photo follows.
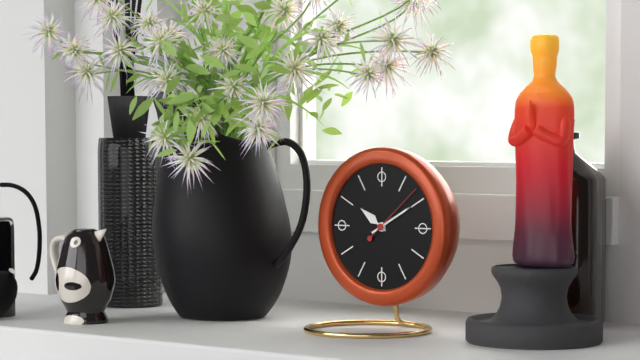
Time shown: 10:10:08
